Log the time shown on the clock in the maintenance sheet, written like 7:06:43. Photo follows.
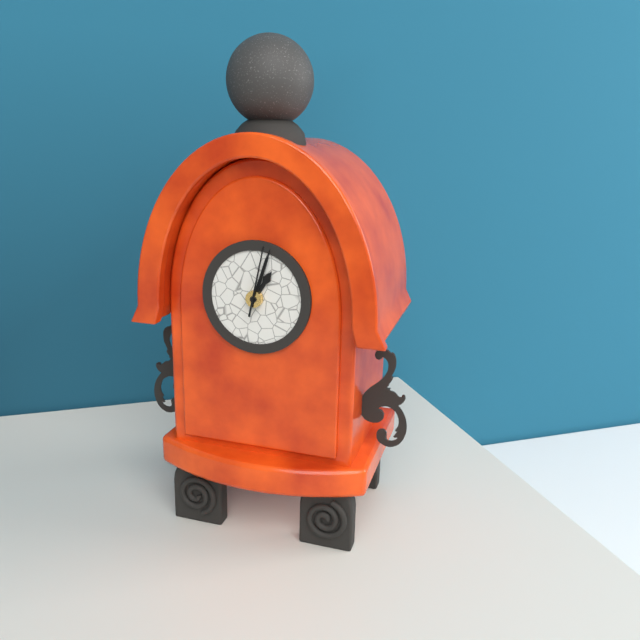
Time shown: 1:03:02
